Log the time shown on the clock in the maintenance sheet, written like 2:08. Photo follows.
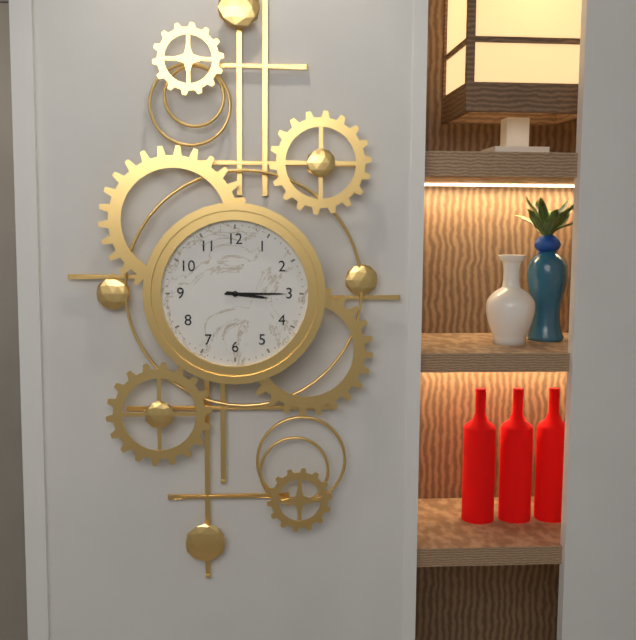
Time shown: 3:15
